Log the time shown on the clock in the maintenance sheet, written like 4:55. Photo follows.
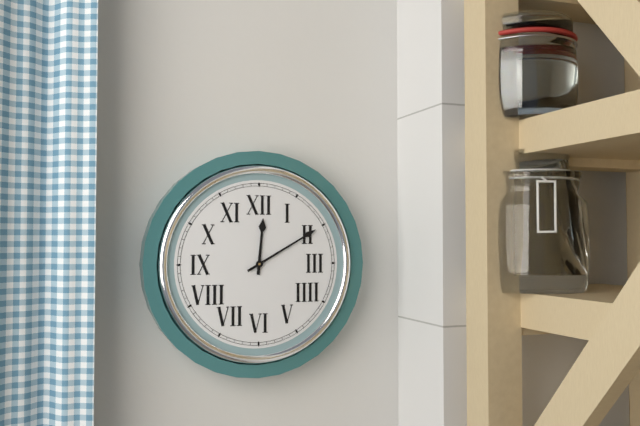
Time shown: 12:10
